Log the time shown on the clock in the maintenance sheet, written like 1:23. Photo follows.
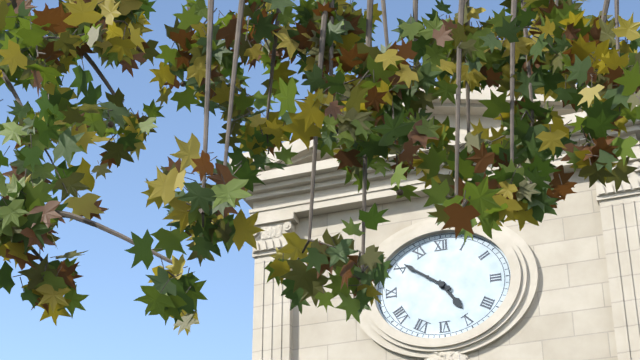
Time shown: 4:51
